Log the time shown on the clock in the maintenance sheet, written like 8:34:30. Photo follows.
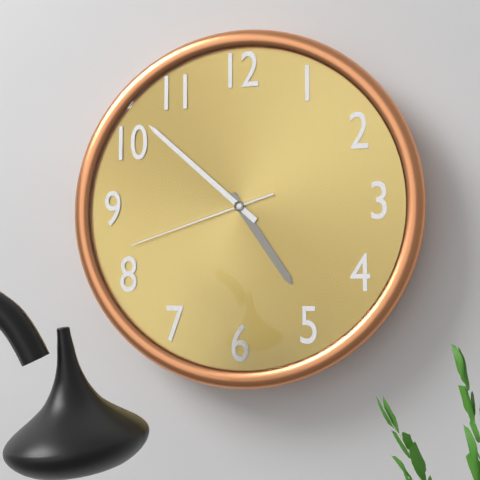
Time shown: 4:52:42
